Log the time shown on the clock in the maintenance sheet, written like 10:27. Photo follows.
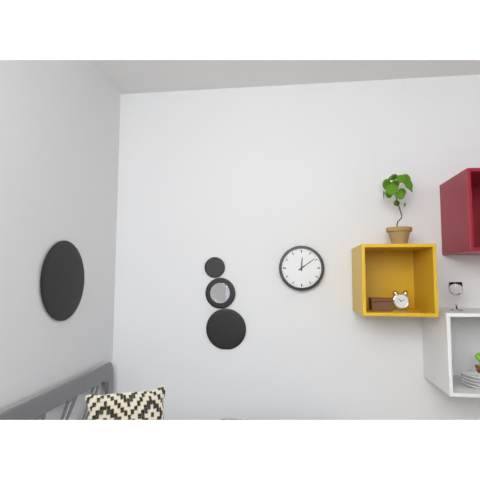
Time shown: 12:09
